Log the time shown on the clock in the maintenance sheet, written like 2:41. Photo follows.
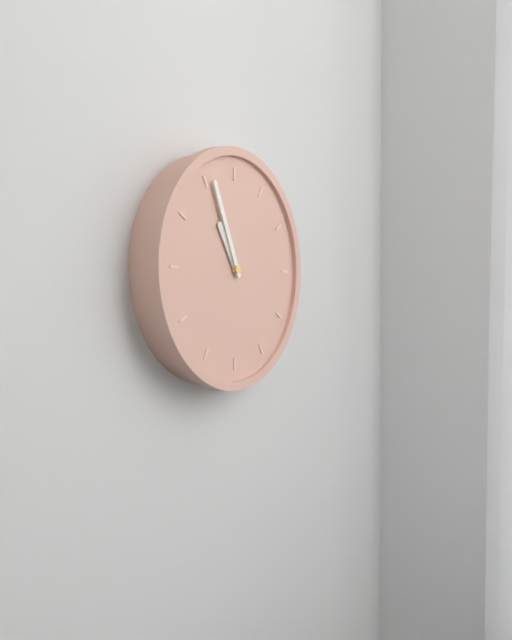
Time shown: 10:56
